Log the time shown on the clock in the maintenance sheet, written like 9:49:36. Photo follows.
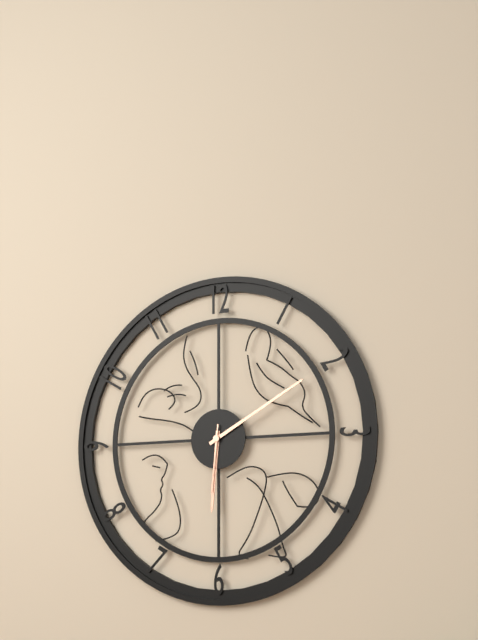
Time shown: 6:10:31
